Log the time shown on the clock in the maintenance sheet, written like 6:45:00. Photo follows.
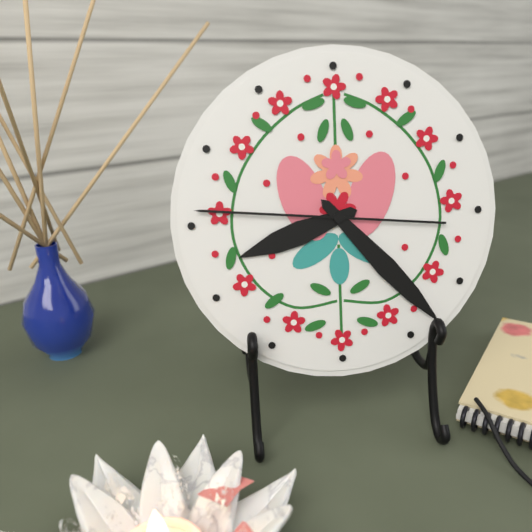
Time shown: 8:23:46
